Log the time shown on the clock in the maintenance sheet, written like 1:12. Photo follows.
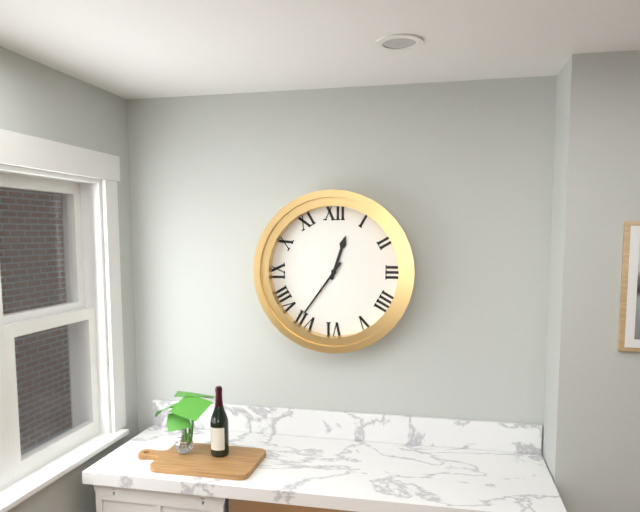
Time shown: 12:36
